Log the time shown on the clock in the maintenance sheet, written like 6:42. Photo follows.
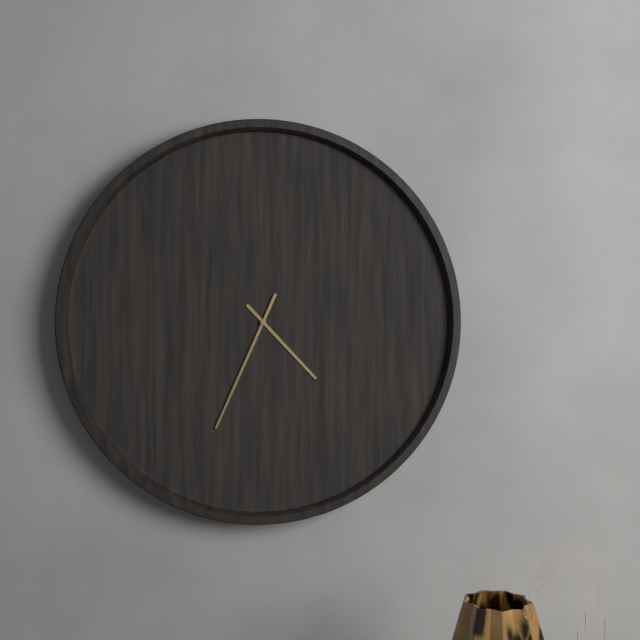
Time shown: 4:34
